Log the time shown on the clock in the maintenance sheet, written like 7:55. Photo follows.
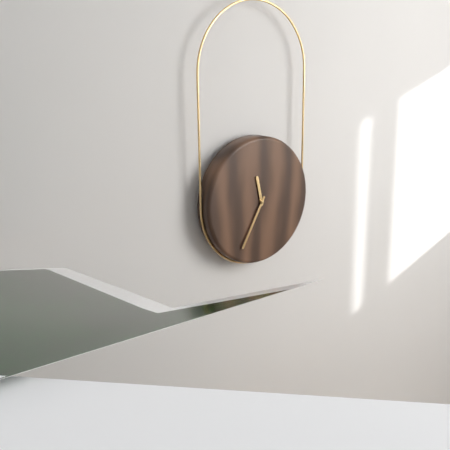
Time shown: 11:35
